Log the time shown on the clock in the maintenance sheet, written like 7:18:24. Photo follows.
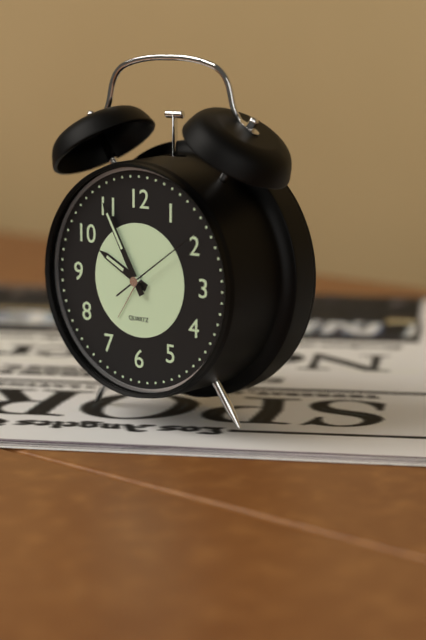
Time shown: 9:55:09
